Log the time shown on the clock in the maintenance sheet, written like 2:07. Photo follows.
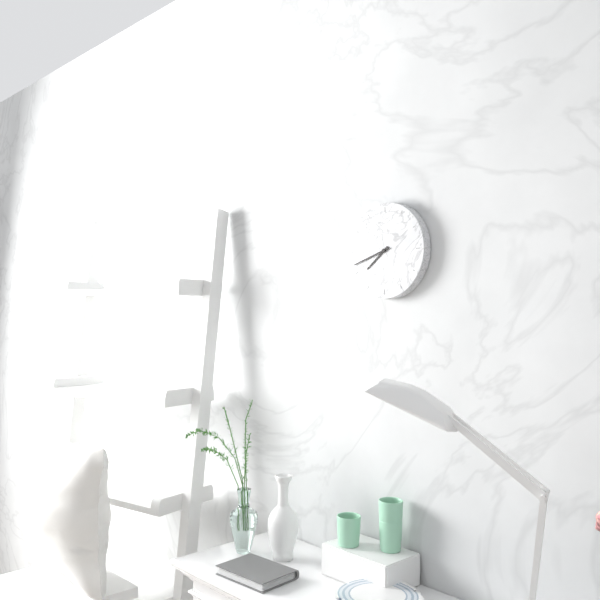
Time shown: 7:42
